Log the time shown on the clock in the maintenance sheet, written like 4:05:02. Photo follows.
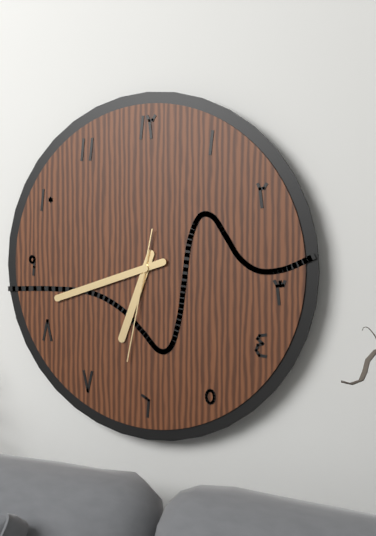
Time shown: 6:42:32
